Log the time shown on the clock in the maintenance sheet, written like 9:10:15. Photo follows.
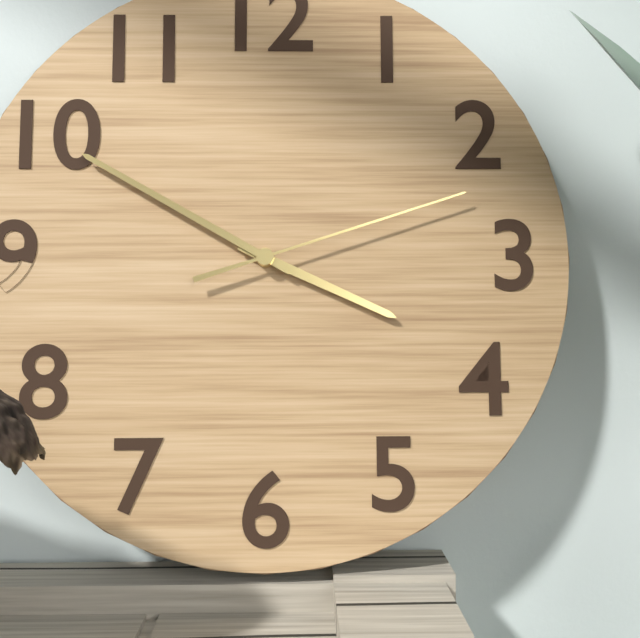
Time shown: 3:50:12
